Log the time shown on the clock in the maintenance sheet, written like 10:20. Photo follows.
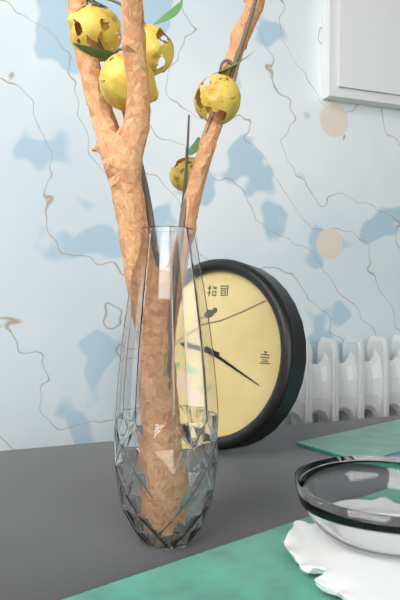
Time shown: 9:19
